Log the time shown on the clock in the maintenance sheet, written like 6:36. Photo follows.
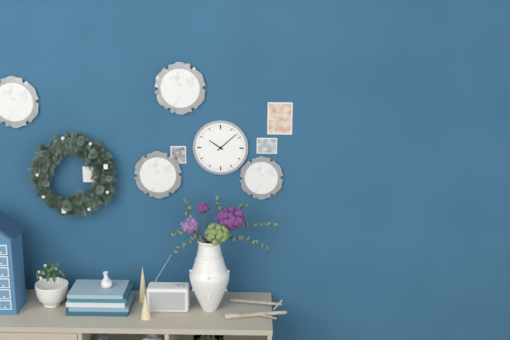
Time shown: 10:08
